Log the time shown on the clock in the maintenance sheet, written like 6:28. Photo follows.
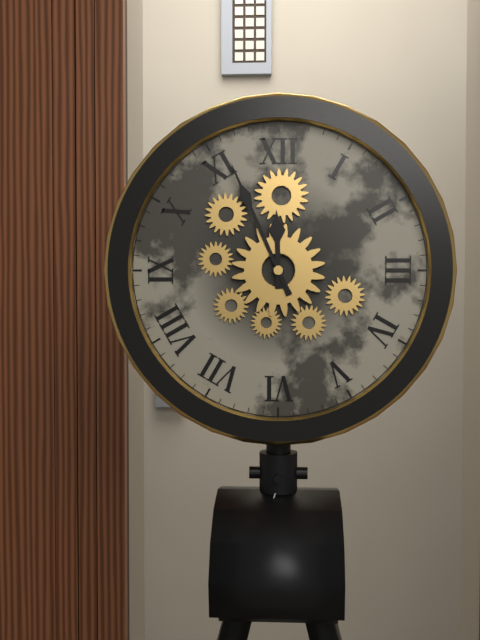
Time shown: 11:56
